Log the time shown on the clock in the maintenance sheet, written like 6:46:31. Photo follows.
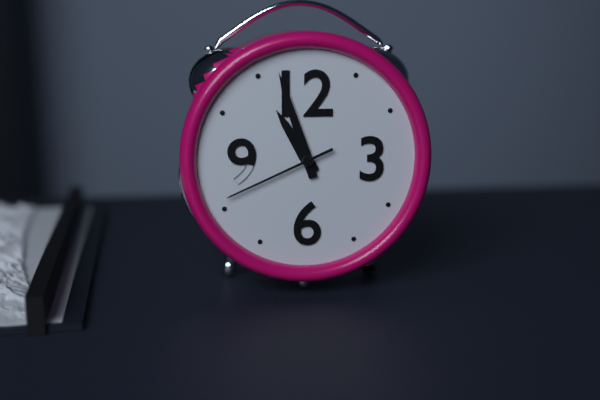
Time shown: 10:57:41
